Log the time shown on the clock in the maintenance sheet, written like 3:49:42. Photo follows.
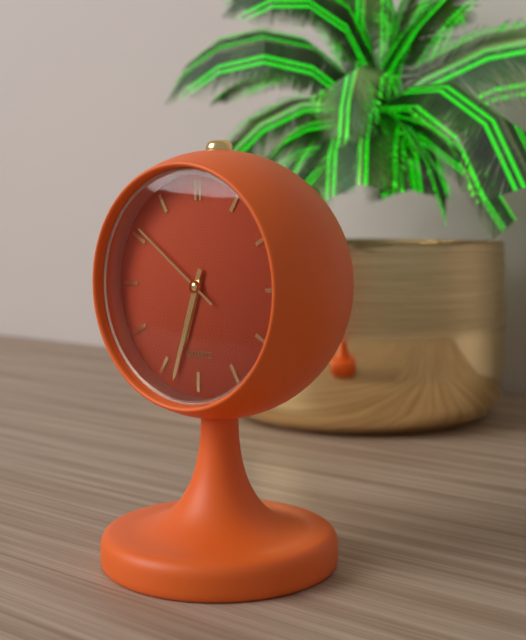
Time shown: 6:33:51
